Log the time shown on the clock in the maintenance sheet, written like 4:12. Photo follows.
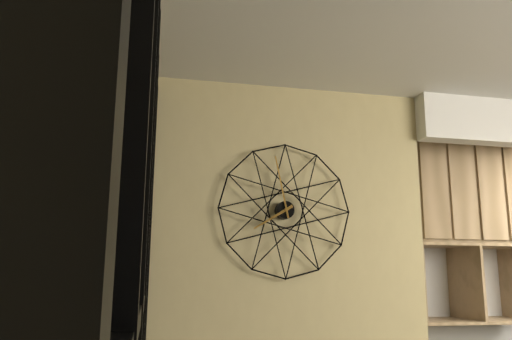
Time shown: 7:58
